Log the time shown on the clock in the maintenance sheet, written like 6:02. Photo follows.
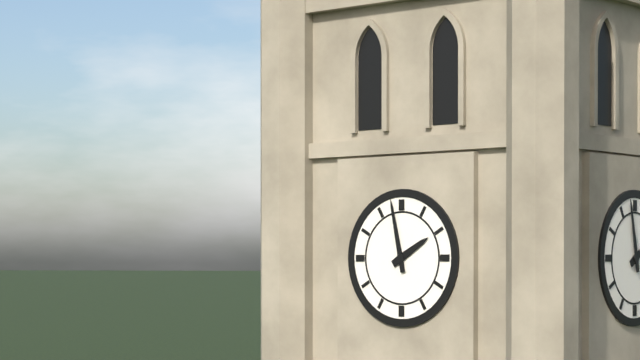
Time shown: 1:58
